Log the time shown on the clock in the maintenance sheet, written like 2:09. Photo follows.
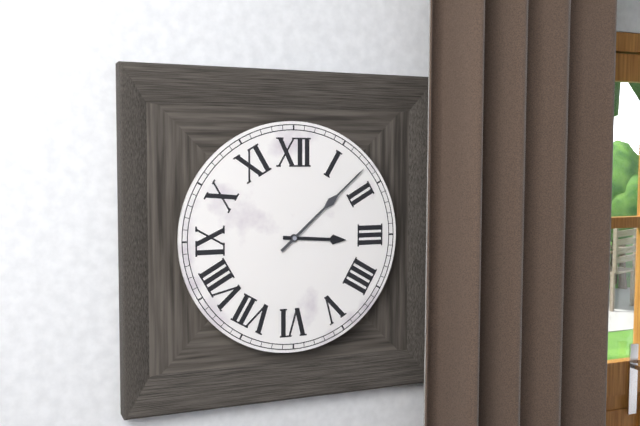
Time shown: 3:08
